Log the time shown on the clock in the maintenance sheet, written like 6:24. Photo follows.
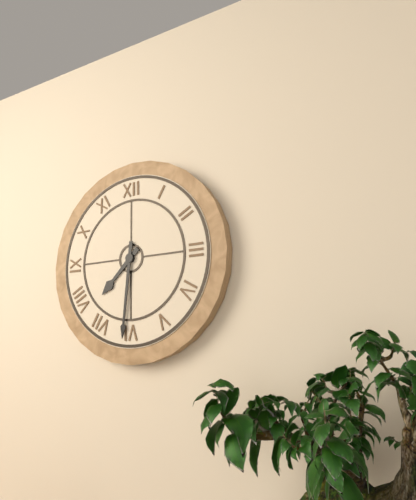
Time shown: 7:31
